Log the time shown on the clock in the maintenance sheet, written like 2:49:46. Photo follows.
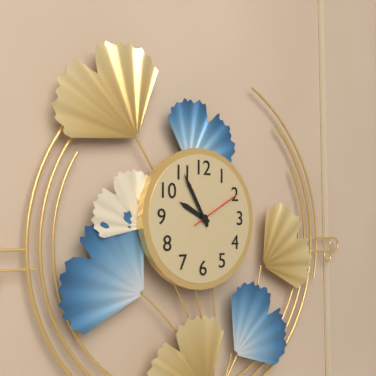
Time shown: 9:55:10
